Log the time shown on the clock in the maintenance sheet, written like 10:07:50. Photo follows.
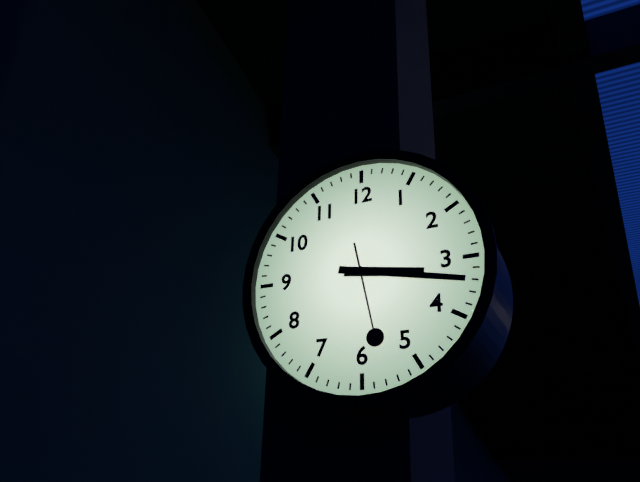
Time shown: 3:17:28
